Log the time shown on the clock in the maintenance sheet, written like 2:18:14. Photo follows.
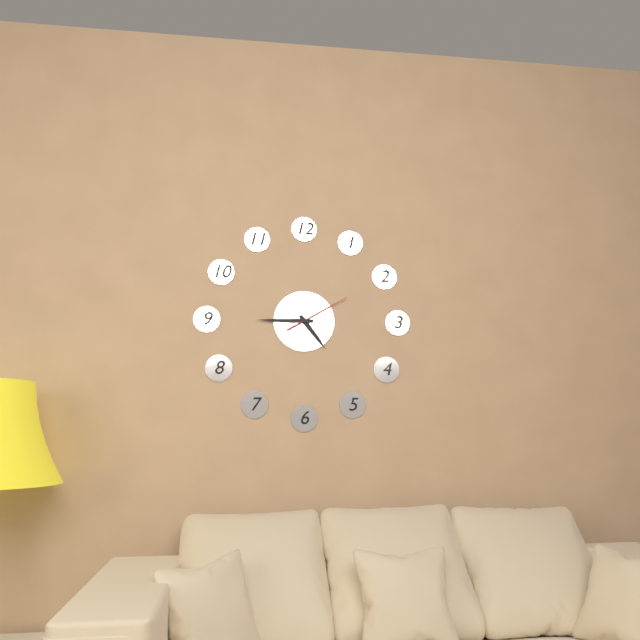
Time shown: 4:45:10
